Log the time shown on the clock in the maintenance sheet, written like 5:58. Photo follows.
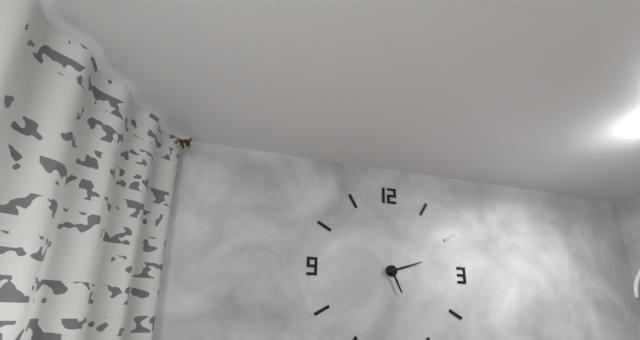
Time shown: 5:12
